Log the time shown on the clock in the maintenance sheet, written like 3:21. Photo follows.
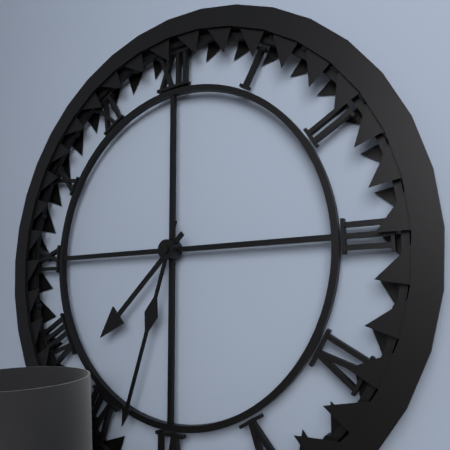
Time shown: 7:33
